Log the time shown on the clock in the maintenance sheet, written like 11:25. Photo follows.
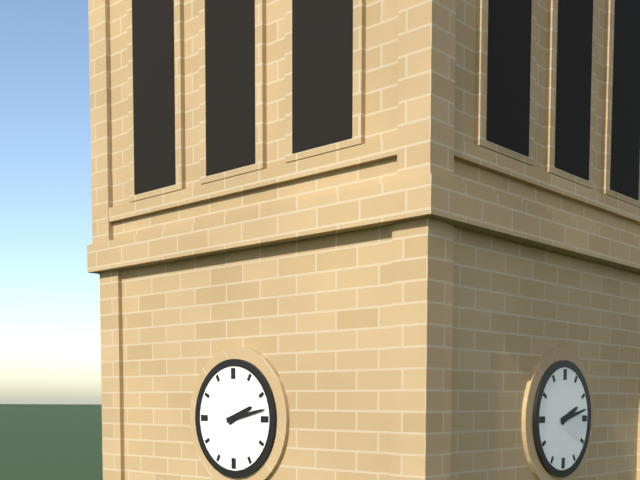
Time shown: 2:13
